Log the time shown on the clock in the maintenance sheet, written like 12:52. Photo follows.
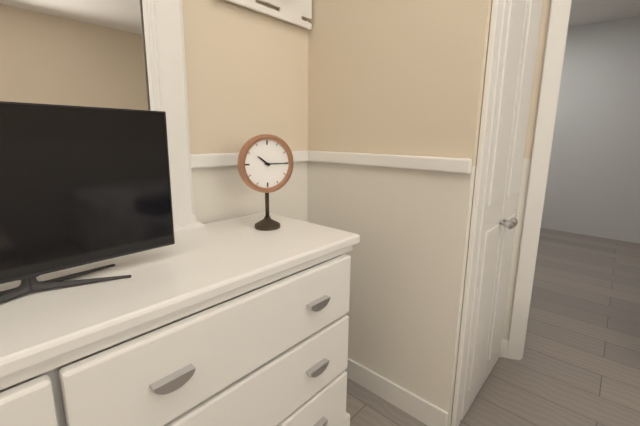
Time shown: 10:15
